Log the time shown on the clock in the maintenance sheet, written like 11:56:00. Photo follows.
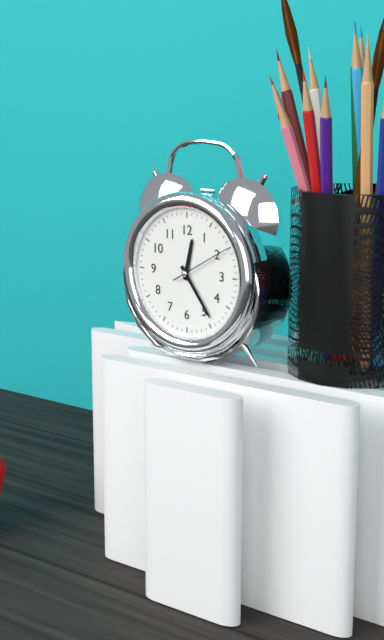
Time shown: 12:24:10
